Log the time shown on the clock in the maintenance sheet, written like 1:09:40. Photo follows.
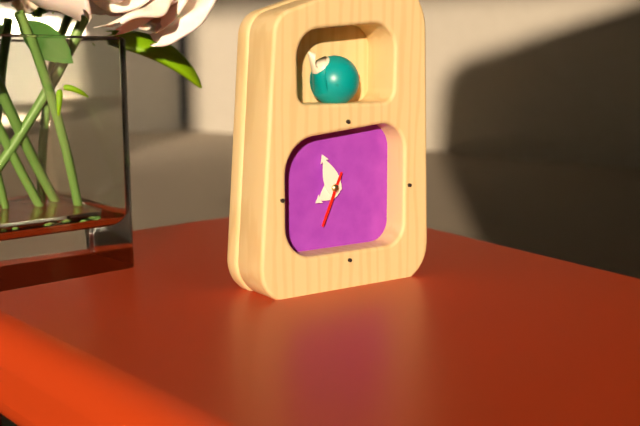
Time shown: 7:56:34
